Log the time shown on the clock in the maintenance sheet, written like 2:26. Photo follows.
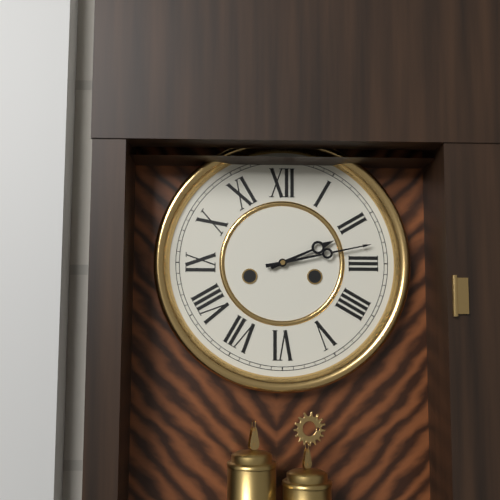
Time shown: 2:13
